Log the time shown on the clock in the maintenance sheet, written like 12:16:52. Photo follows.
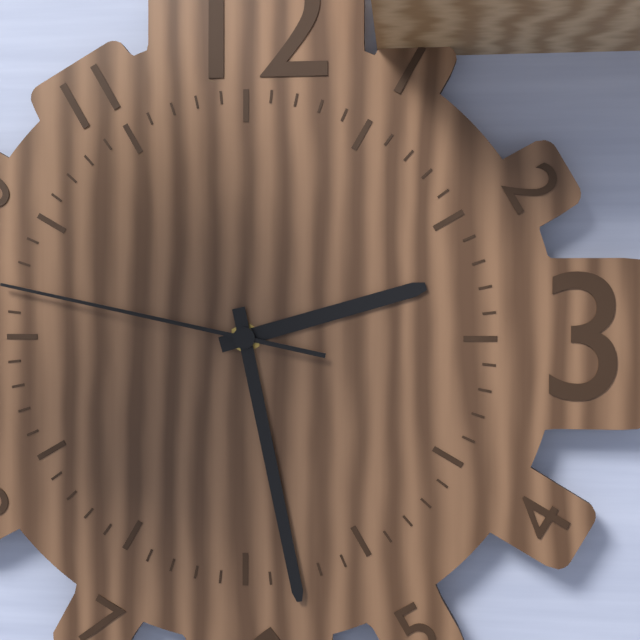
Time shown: 2:28:47
